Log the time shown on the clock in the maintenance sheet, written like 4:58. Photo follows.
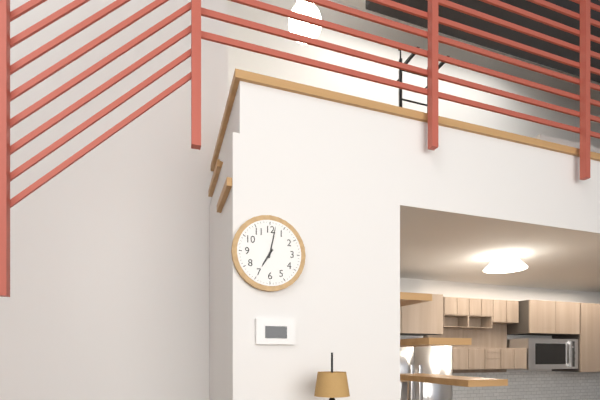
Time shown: 7:02
